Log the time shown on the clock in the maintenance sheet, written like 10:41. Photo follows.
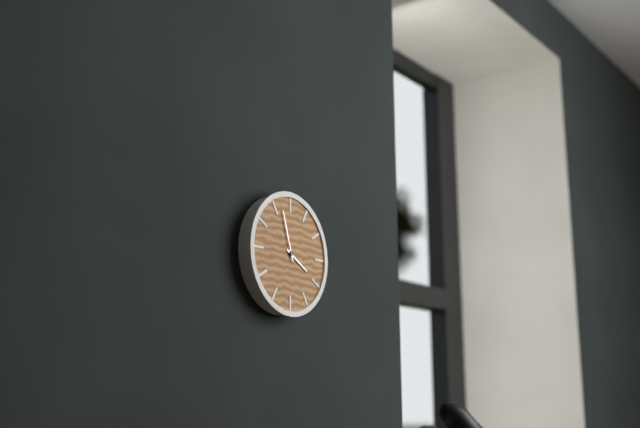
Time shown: 3:57
